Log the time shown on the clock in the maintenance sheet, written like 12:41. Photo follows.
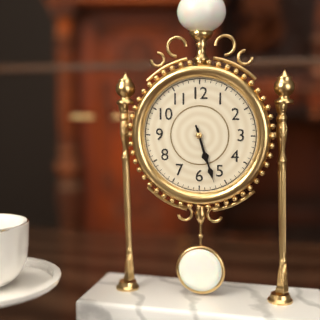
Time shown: 5:27
